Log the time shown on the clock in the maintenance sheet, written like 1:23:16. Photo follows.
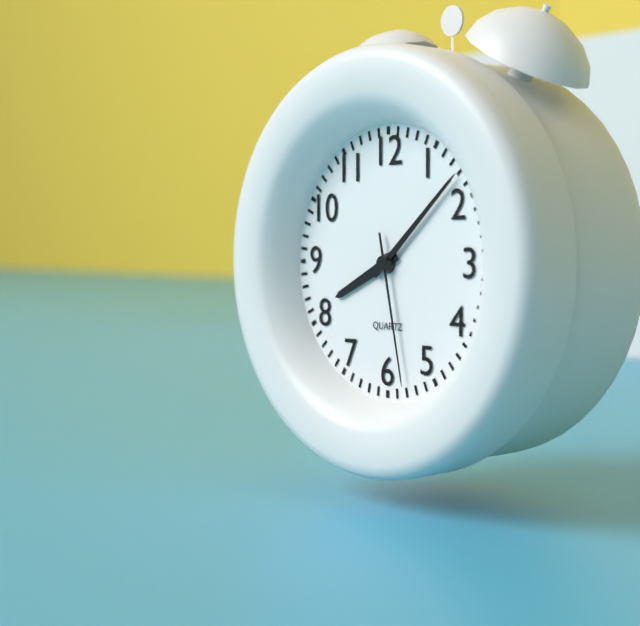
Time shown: 8:08:28
